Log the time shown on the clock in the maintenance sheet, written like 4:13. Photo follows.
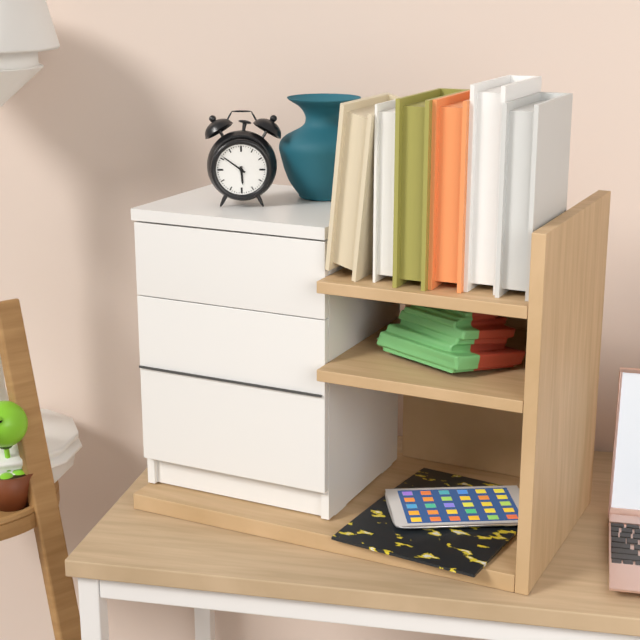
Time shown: 5:51
